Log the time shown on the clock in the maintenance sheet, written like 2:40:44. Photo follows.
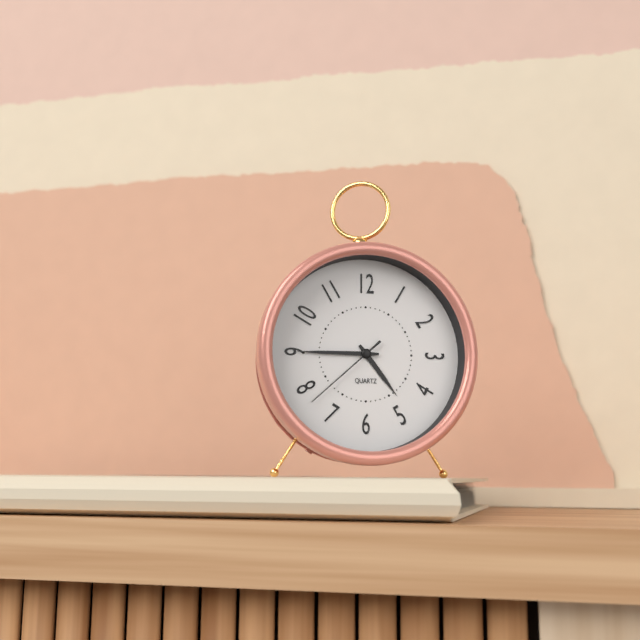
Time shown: 4:45:38
